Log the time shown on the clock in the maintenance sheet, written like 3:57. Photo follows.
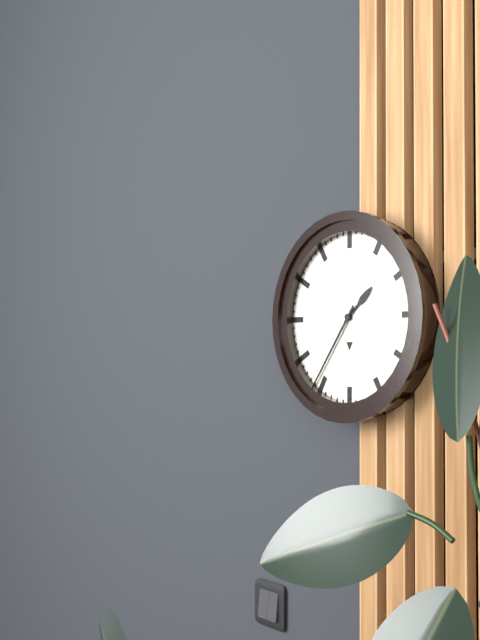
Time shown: 1:36
